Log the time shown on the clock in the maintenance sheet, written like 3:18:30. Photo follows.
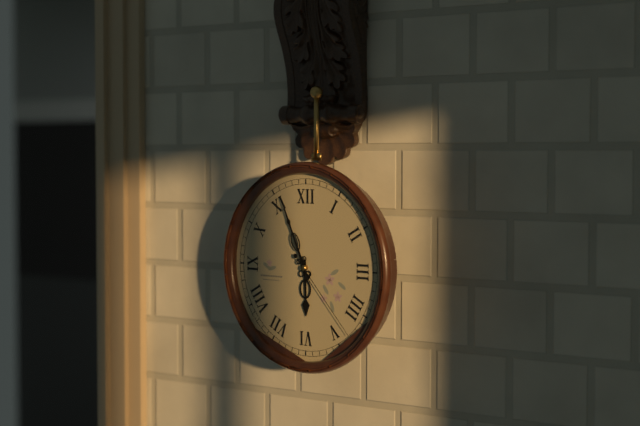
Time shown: 5:56:23
